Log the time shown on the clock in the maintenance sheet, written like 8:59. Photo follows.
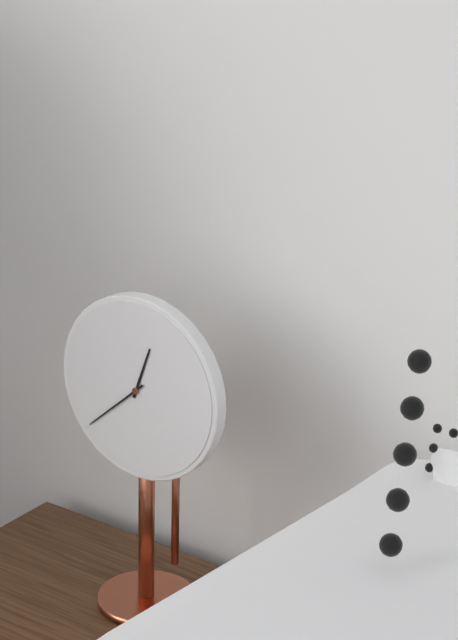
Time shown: 12:38
